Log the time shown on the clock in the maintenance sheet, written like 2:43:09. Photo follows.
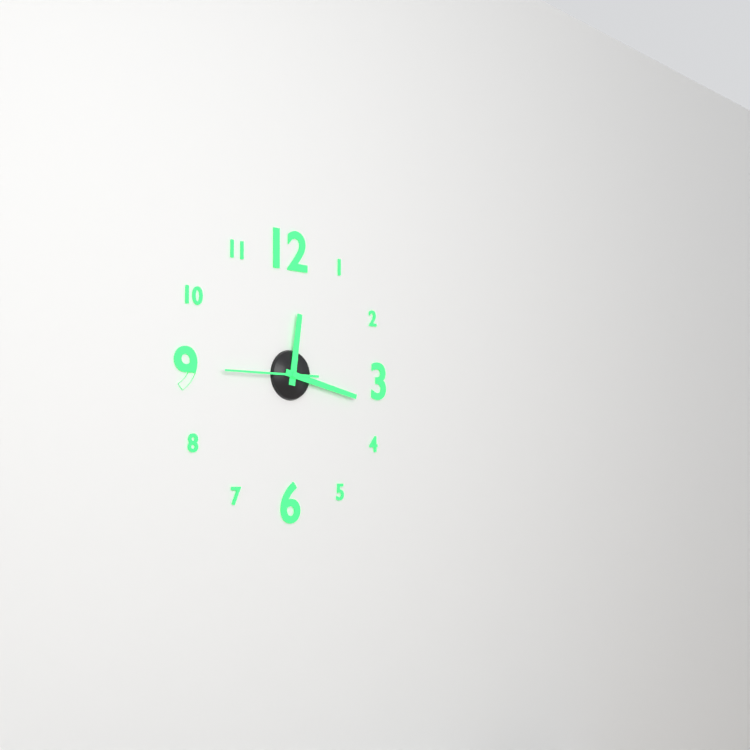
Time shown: 12:17:45
